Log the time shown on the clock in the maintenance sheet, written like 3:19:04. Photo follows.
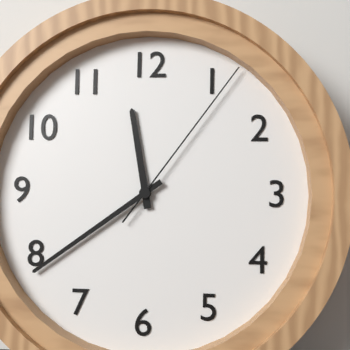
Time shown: 11:39:06
